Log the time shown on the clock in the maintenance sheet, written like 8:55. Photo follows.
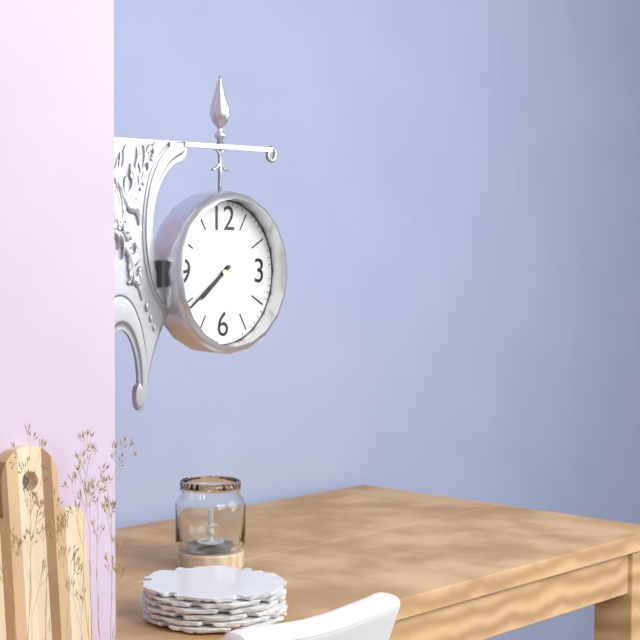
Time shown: 7:39
